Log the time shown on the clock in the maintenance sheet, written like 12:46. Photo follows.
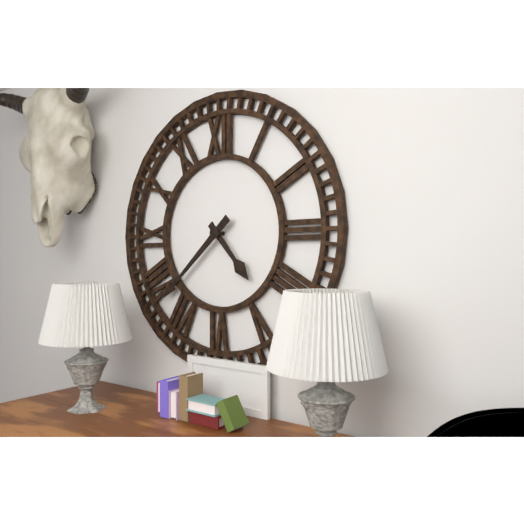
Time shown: 4:38
